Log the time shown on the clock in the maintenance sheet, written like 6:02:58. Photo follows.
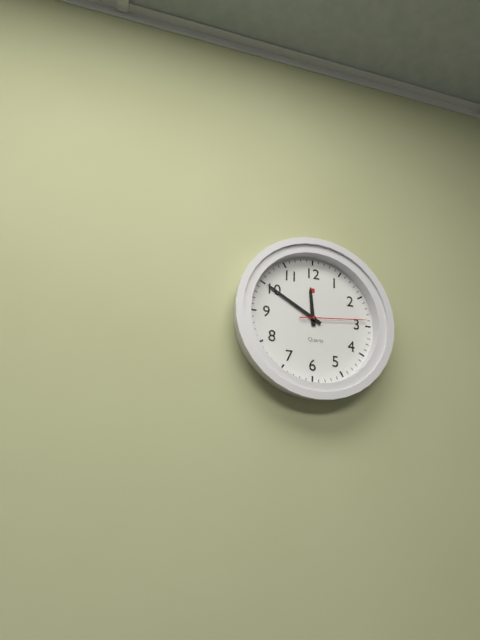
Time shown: 11:50:14
